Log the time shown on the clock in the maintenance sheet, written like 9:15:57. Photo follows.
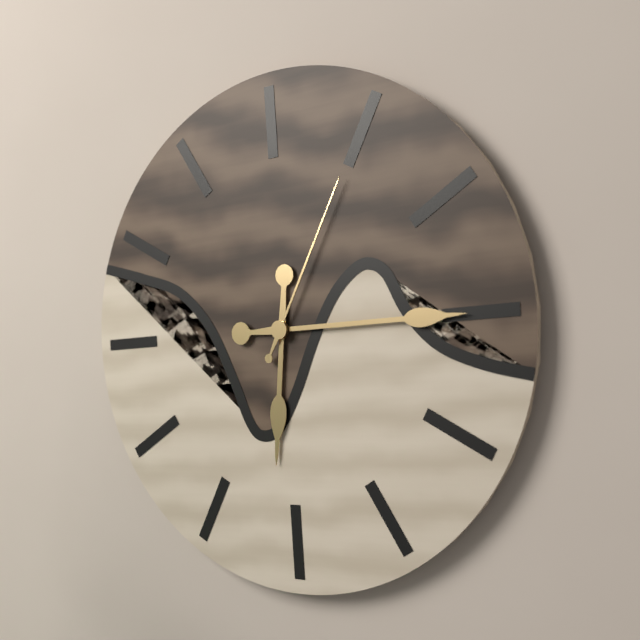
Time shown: 6:15:05
